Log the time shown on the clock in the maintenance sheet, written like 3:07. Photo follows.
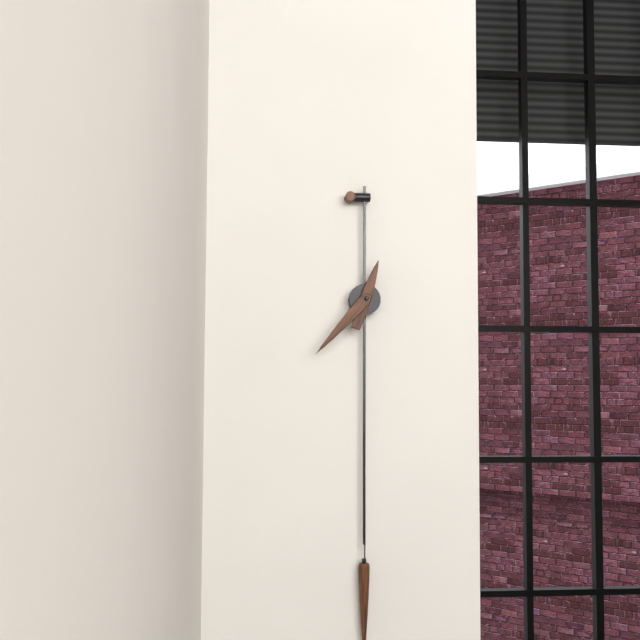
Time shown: 12:37
